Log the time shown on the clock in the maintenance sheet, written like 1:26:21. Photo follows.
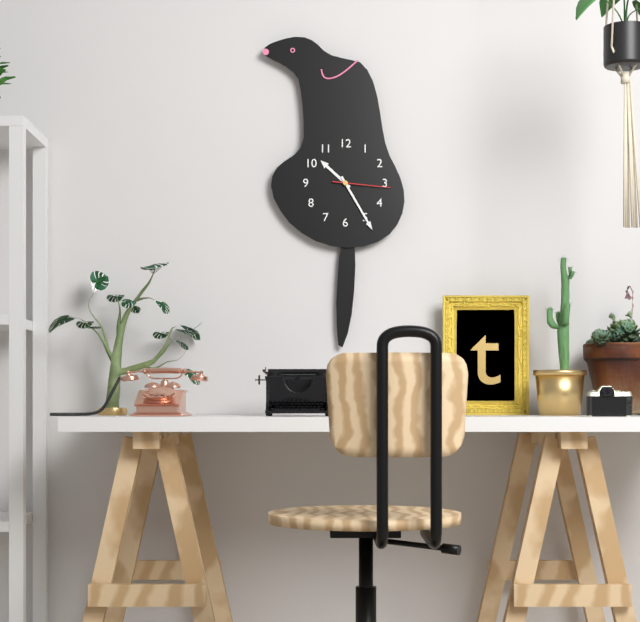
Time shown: 10:25:16
